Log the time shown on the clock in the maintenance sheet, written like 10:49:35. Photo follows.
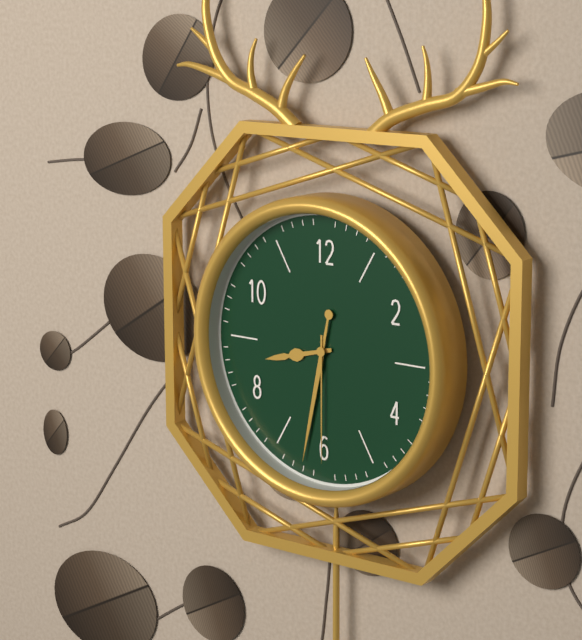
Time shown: 8:32:30
